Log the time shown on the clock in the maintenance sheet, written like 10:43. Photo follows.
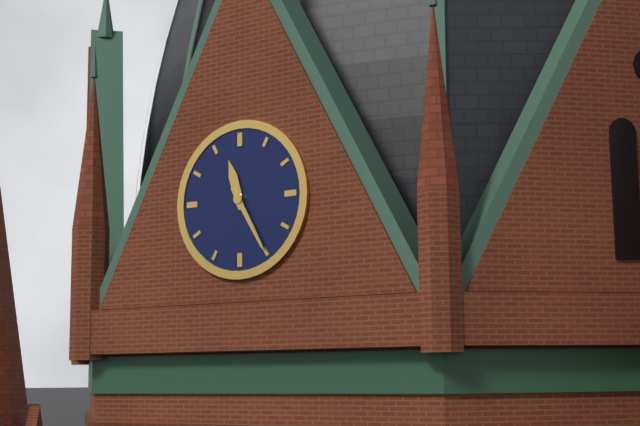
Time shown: 11:25
